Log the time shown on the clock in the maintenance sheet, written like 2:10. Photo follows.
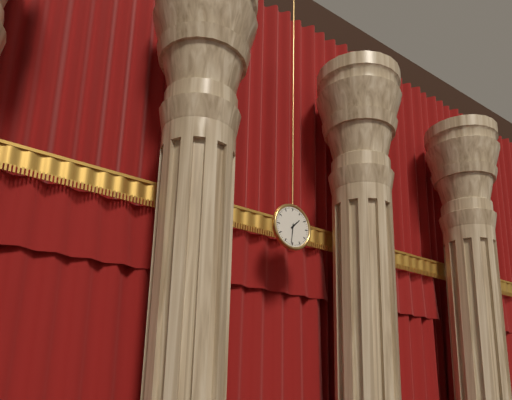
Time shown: 1:31
